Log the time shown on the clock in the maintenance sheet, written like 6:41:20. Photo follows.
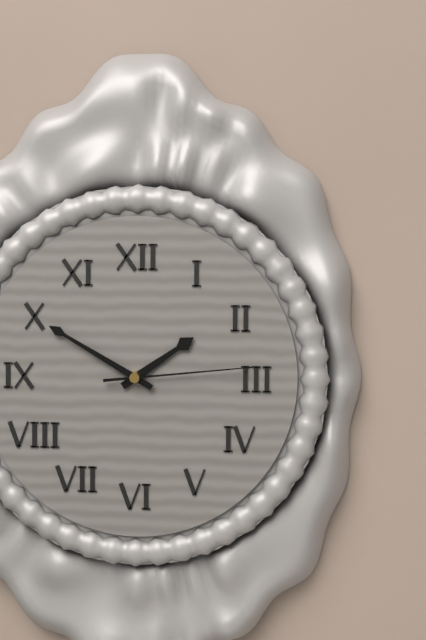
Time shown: 1:50:14
